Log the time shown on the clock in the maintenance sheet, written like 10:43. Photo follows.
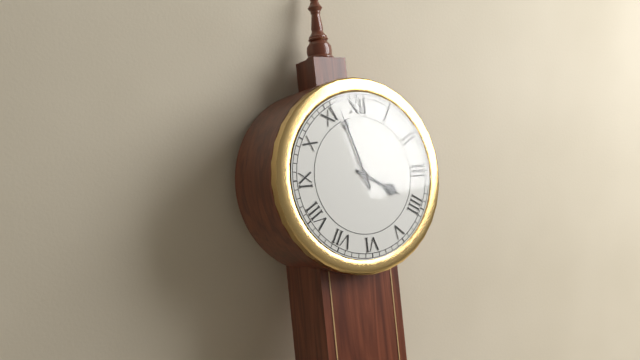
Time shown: 3:57
